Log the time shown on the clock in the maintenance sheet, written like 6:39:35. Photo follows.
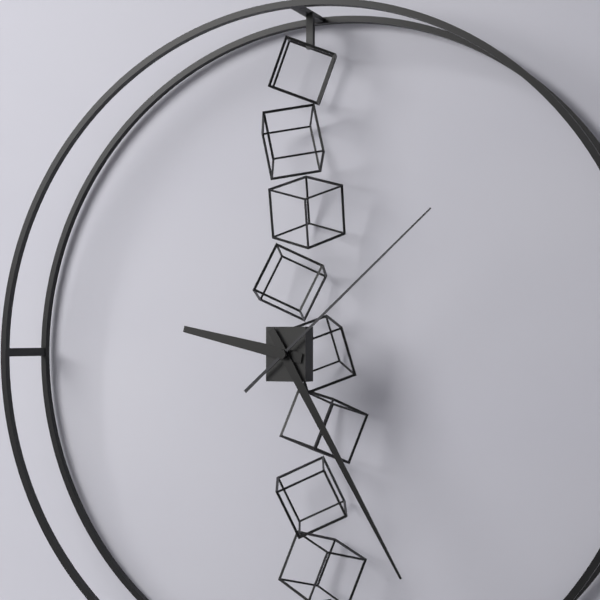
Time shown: 9:25:08
